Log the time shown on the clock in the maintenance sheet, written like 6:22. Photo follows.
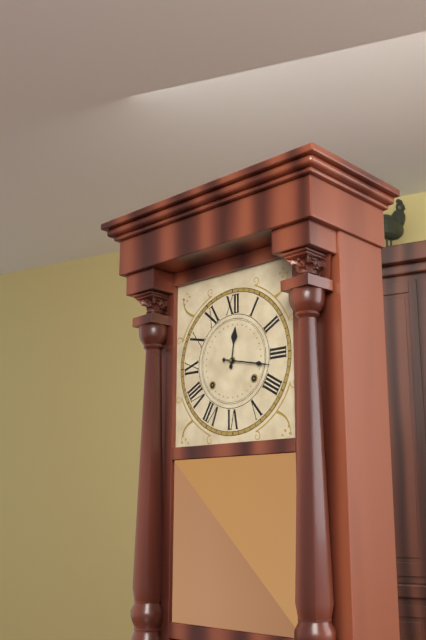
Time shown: 12:17
